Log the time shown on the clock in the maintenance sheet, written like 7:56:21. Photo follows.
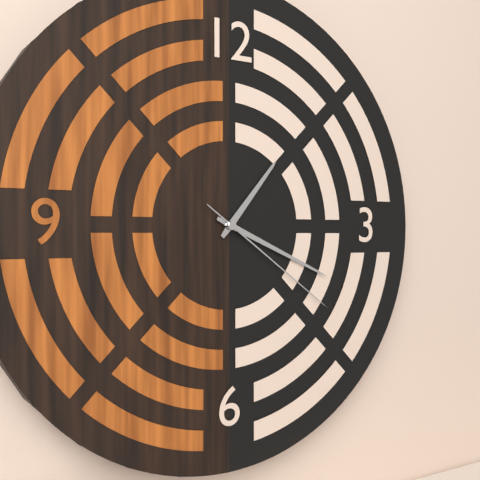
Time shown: 1:19:21
